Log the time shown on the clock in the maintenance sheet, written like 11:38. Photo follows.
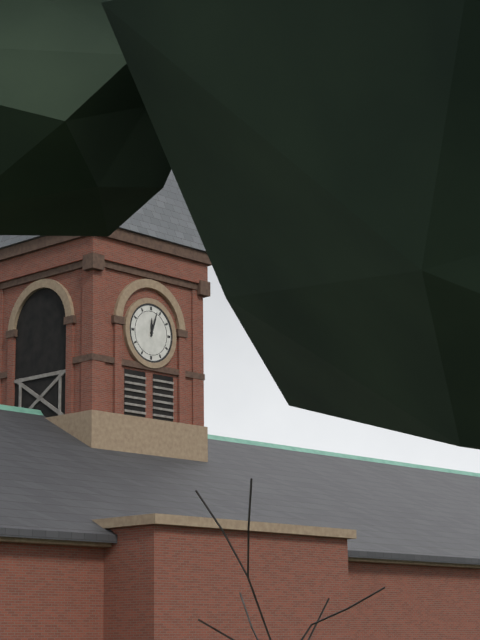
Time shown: 12:03
